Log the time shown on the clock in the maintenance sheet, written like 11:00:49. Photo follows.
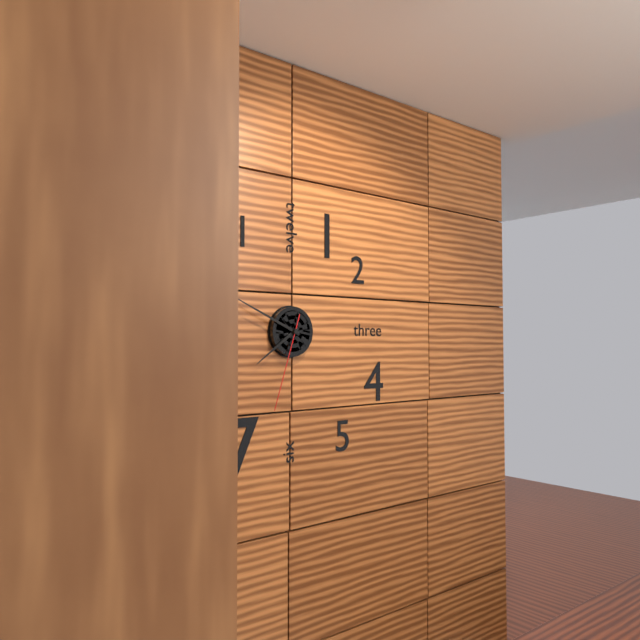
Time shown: 7:49:33
